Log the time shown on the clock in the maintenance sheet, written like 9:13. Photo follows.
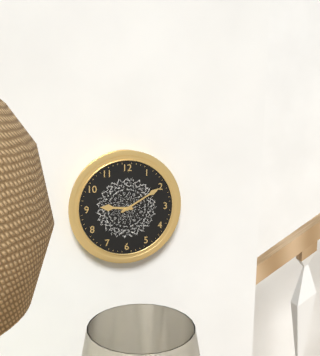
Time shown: 9:10
